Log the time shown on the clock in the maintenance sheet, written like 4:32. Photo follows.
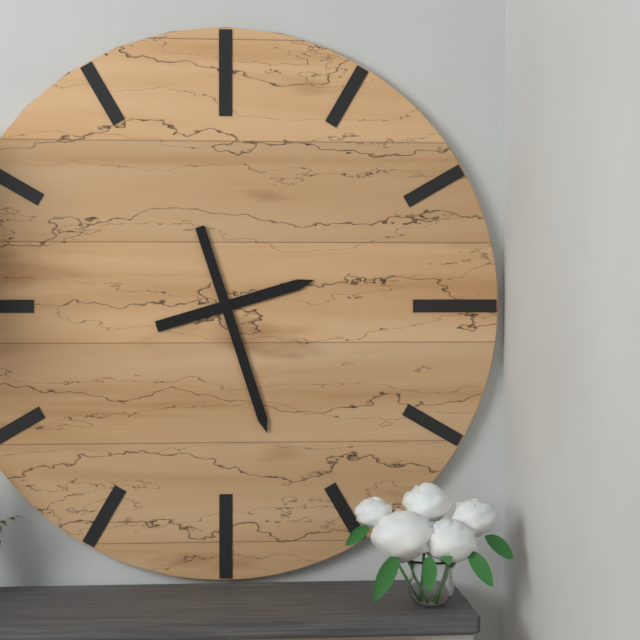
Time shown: 2:27
